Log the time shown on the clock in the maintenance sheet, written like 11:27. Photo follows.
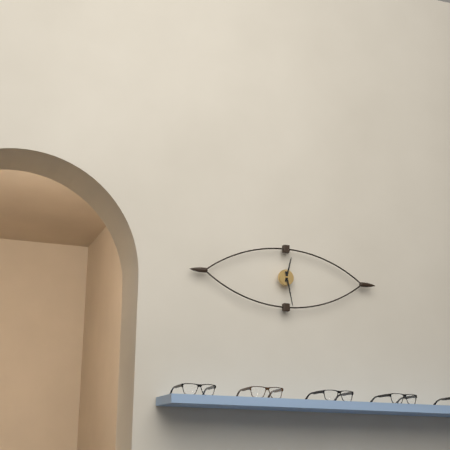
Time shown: 12:28
